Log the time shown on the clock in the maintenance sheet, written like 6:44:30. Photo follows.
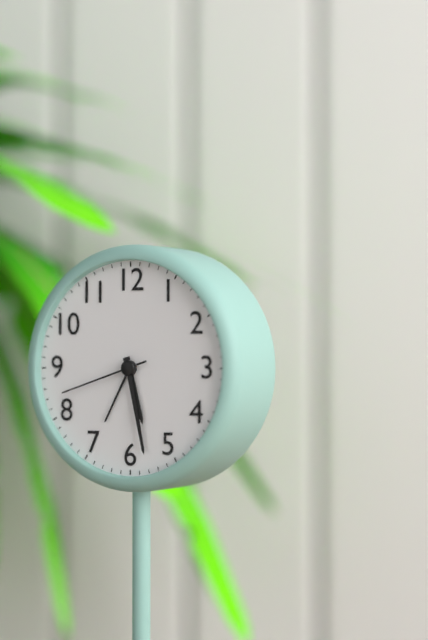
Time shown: 5:28:42
